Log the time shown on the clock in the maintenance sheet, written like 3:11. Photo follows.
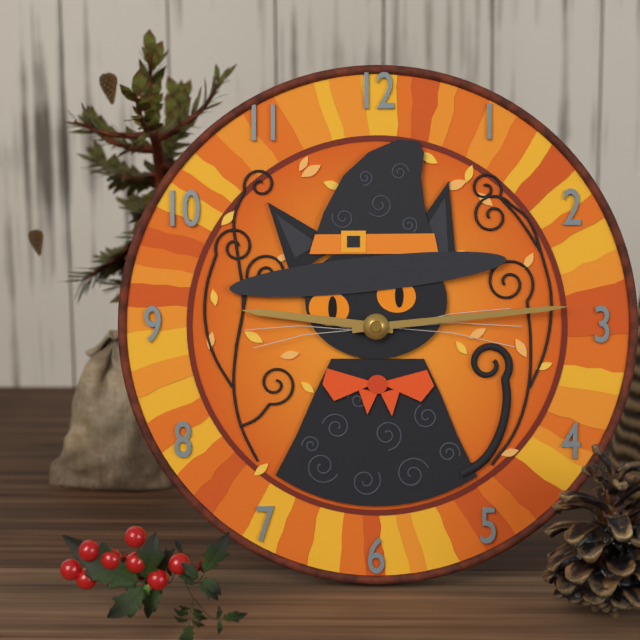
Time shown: 9:14
